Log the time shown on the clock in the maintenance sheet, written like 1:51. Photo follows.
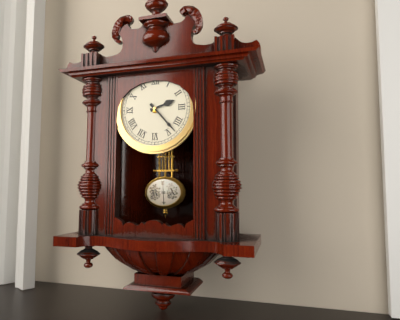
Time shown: 2:23
